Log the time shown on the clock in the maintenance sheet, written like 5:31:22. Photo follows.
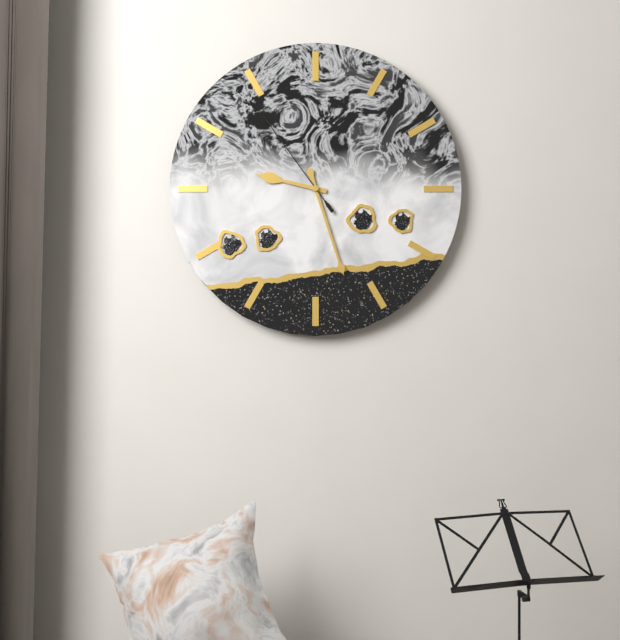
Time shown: 9:27:54
